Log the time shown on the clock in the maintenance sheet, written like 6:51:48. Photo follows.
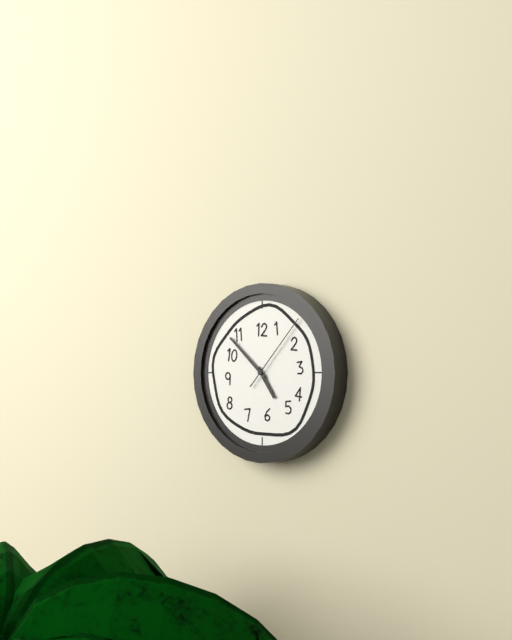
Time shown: 4:52:07
